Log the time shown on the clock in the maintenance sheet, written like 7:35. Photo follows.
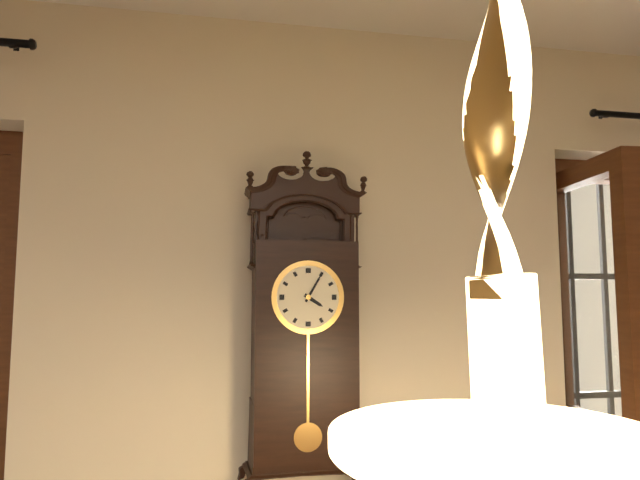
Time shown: 4:05
